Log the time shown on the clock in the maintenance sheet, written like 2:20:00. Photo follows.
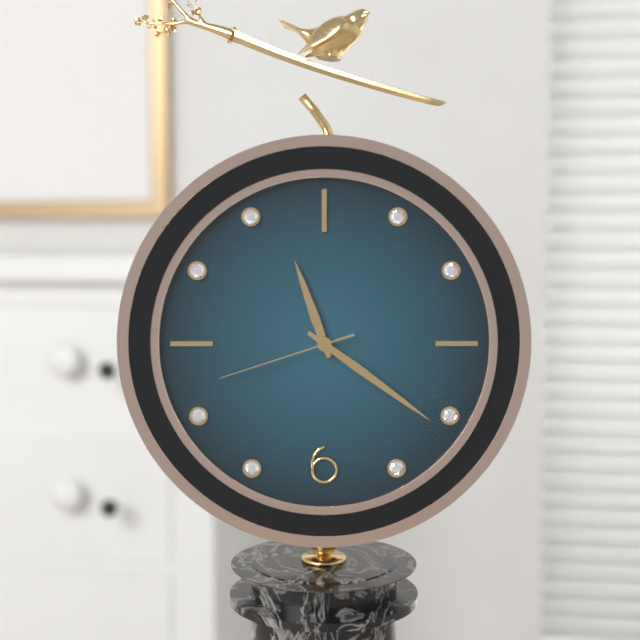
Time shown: 11:21:42
